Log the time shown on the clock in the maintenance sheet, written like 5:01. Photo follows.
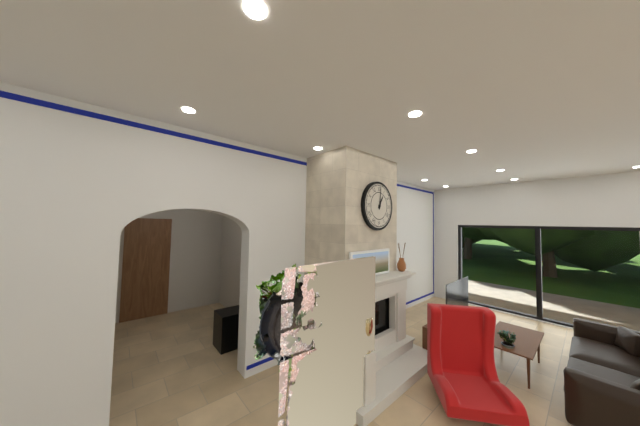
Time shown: 1:01
